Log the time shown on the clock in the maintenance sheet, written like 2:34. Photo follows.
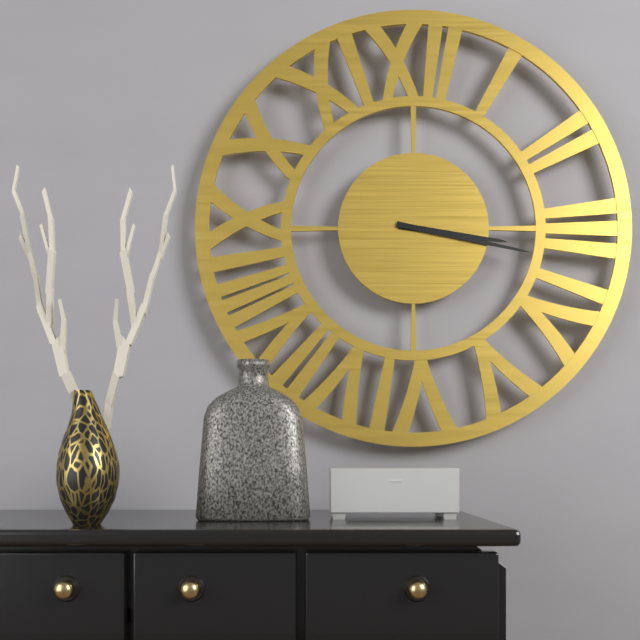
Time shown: 3:17
